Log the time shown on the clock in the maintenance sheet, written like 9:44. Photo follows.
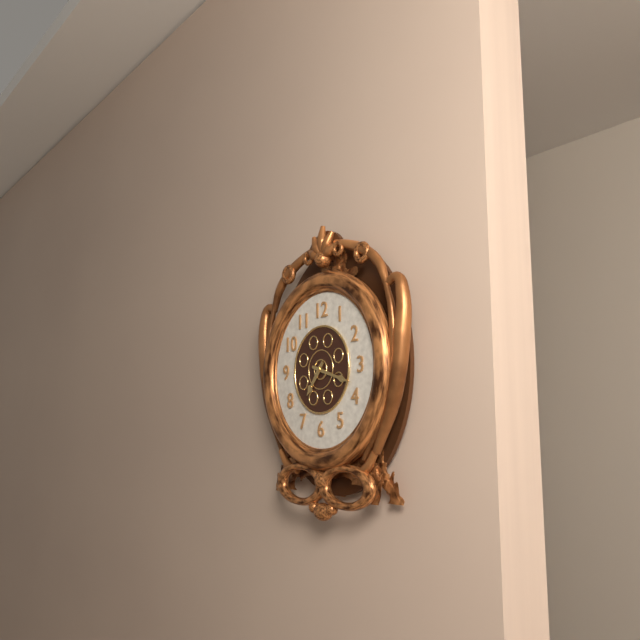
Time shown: 7:18
